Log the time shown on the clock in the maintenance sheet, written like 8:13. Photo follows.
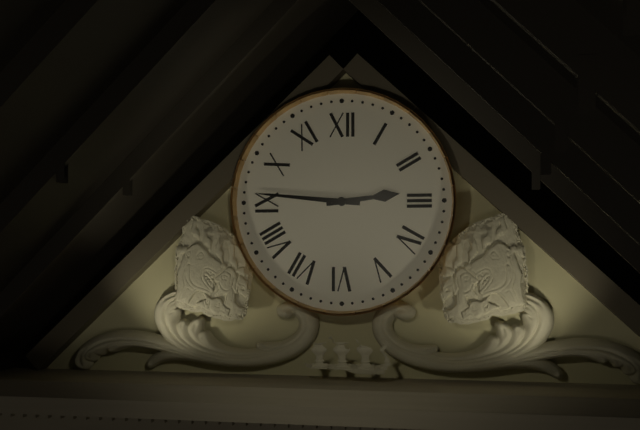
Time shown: 2:46
